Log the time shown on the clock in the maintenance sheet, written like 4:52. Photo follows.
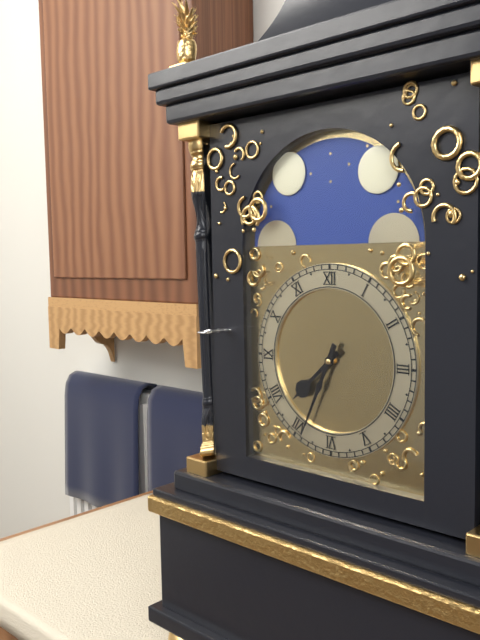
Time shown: 7:34
